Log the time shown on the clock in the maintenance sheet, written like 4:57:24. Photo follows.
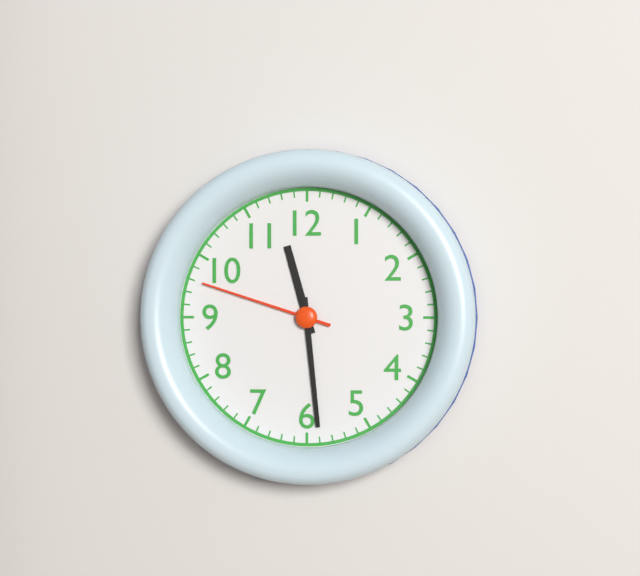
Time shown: 11:29:48
